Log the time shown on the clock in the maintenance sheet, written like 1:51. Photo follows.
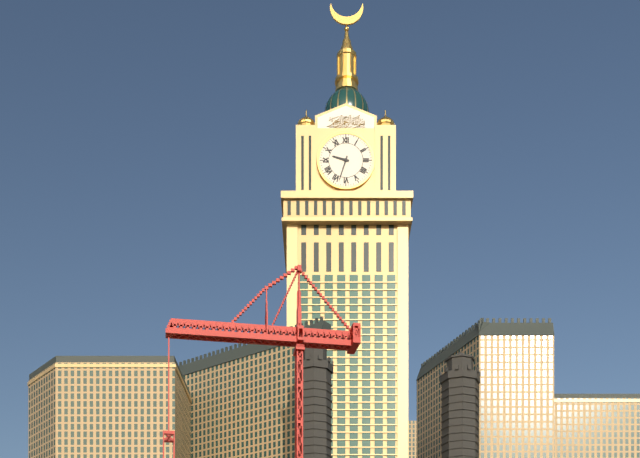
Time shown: 9:33
